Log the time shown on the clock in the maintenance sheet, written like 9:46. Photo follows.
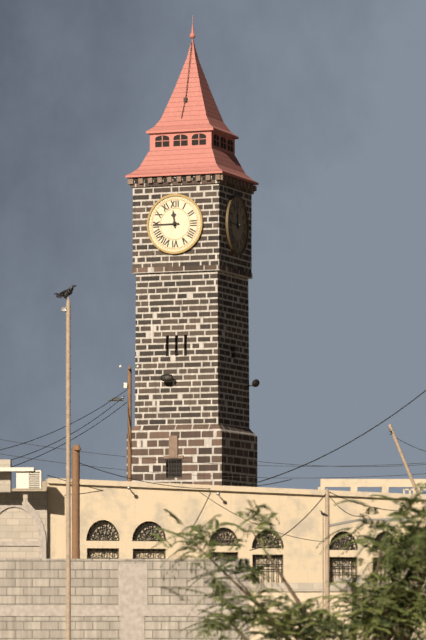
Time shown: 11:45
